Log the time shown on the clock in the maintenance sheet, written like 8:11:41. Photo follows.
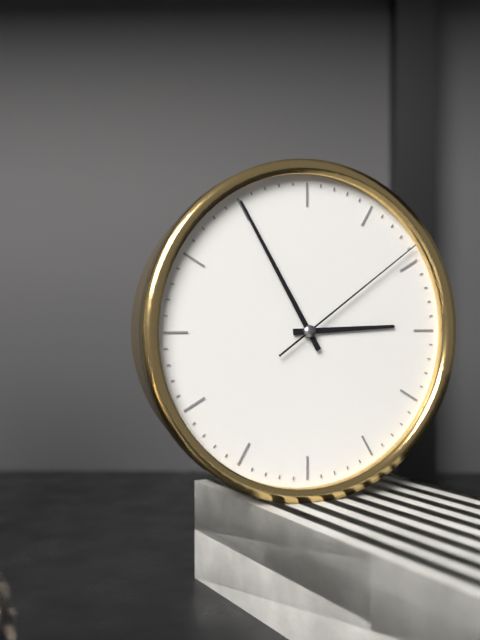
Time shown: 2:55:09
